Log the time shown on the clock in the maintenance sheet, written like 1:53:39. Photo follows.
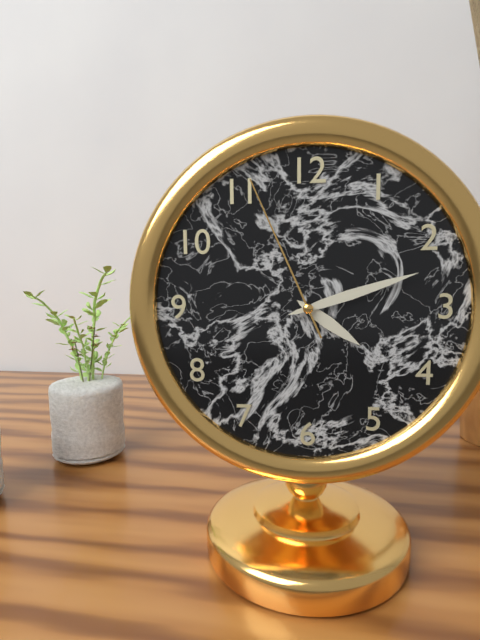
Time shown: 4:12:56
